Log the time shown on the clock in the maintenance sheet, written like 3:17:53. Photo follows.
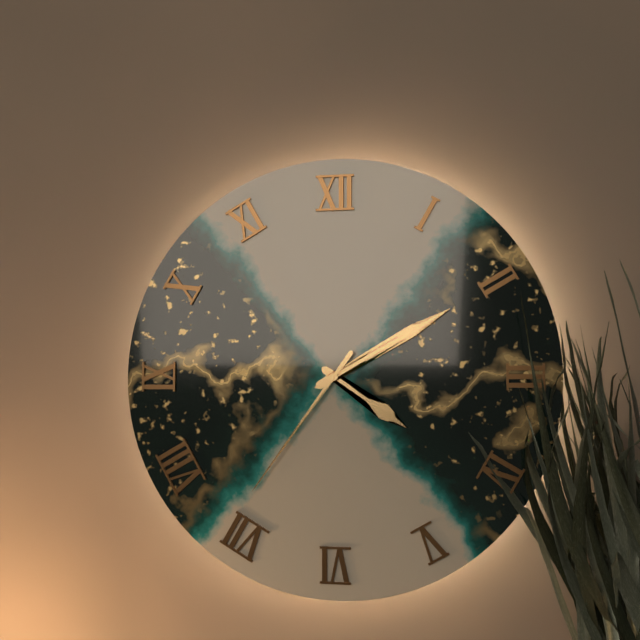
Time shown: 4:10:36
